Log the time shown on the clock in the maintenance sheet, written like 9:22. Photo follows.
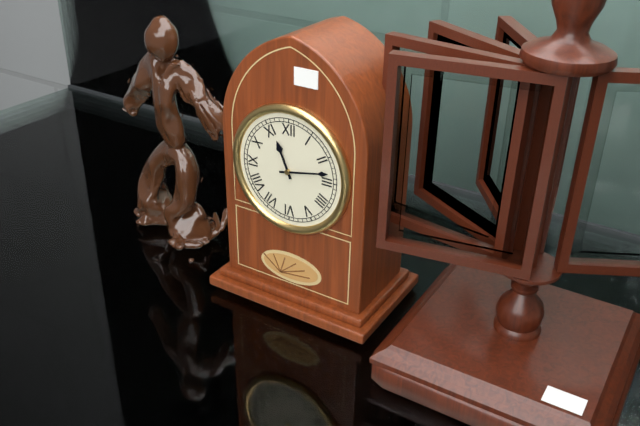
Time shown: 11:13
